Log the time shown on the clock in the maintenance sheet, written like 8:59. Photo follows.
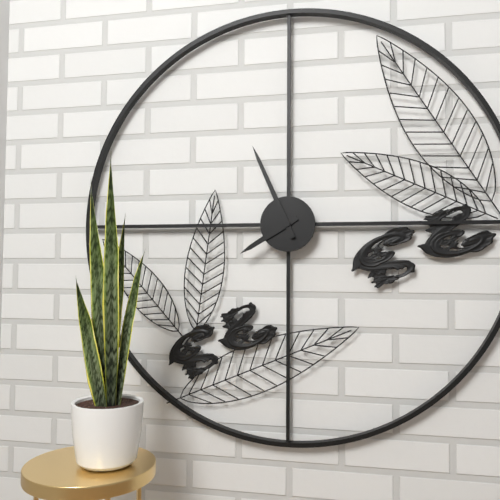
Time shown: 7:56
